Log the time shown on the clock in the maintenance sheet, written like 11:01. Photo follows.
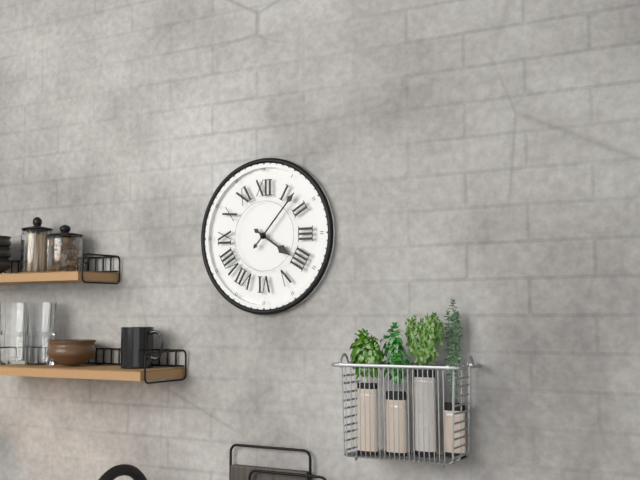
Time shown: 4:07
